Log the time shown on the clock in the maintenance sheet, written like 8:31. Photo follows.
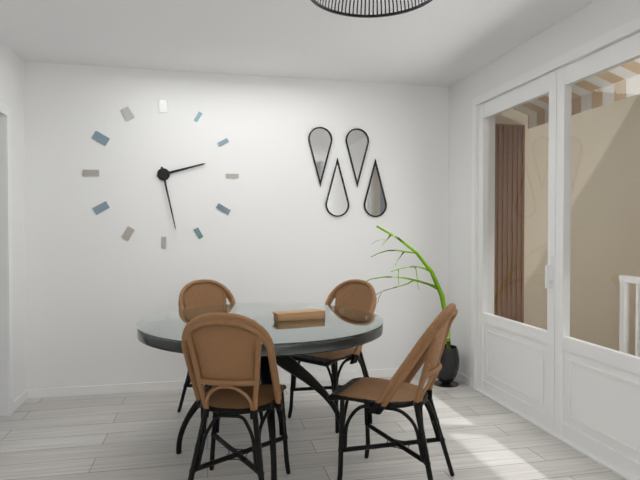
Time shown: 2:28
